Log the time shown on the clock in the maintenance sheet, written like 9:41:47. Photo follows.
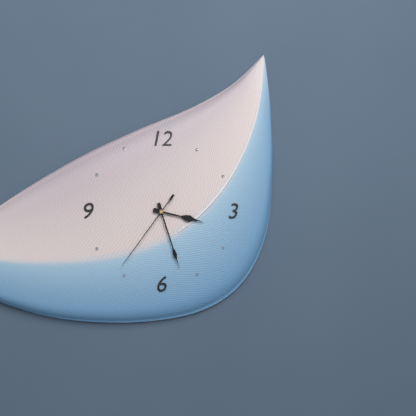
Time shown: 3:27:36
